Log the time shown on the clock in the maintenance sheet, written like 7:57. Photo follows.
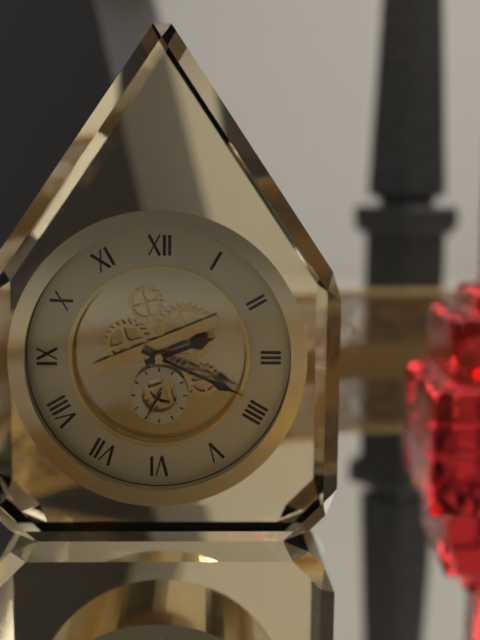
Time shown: 2:19
